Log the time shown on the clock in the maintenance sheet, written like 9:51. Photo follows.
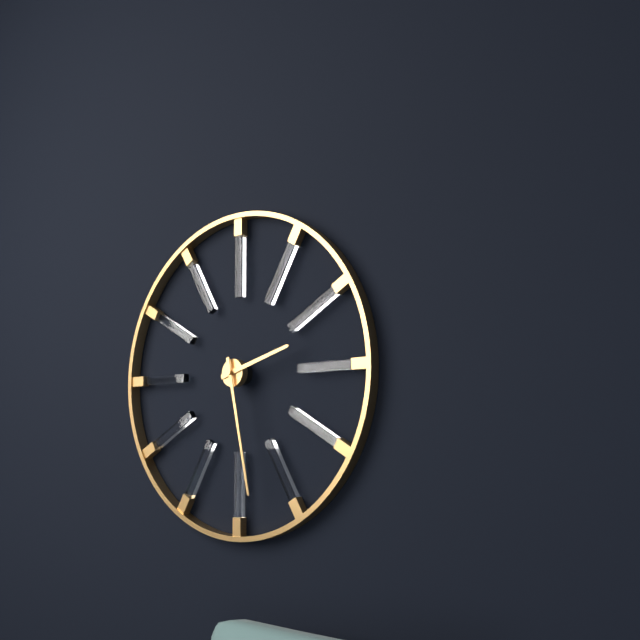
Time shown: 2:28
